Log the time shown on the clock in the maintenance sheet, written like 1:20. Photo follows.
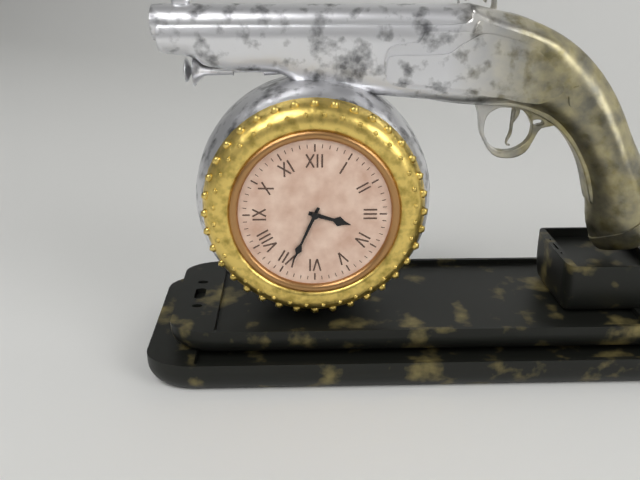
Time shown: 3:34
